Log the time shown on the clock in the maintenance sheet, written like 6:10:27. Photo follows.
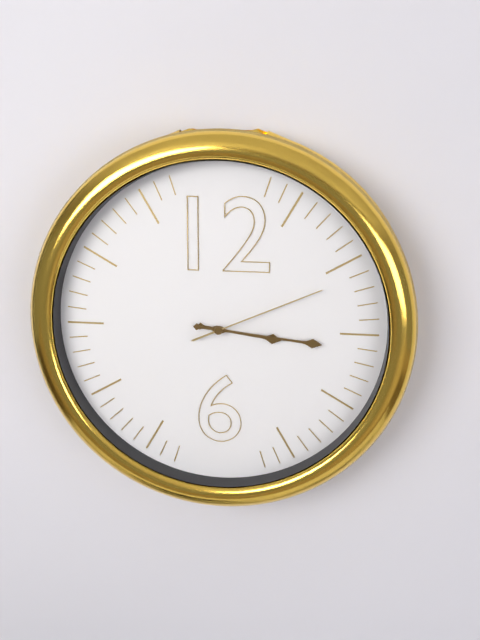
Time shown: 3:16:11
